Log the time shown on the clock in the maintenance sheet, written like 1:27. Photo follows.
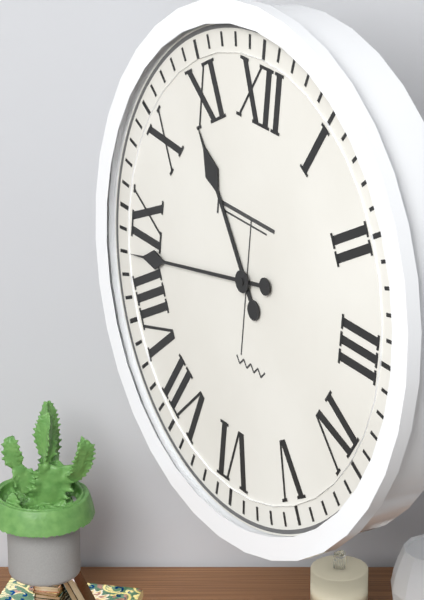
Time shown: 10:43
